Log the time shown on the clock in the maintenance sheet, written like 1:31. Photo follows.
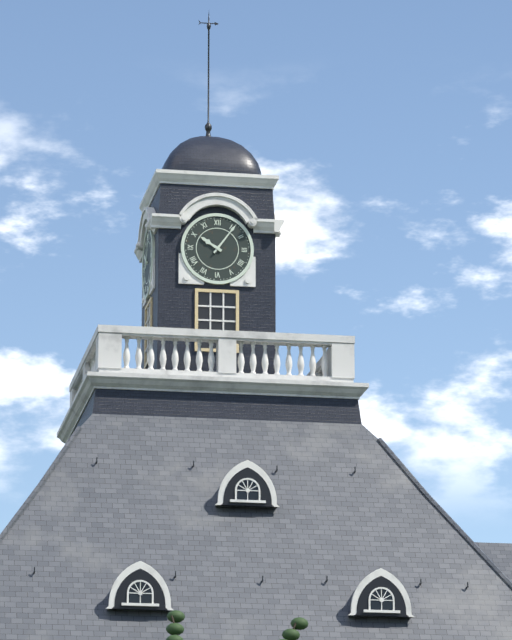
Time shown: 10:06
